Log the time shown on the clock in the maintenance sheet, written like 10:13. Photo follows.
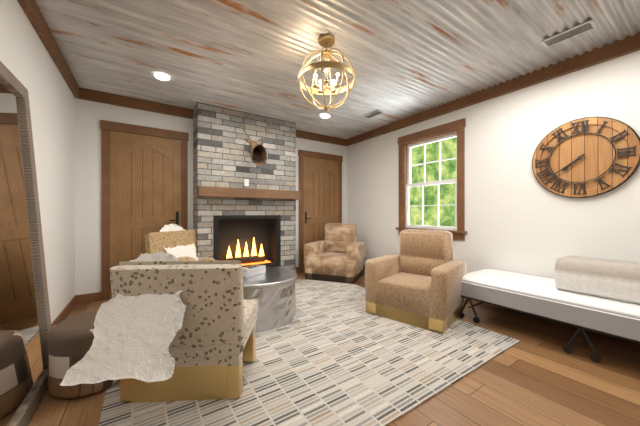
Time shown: 7:39
